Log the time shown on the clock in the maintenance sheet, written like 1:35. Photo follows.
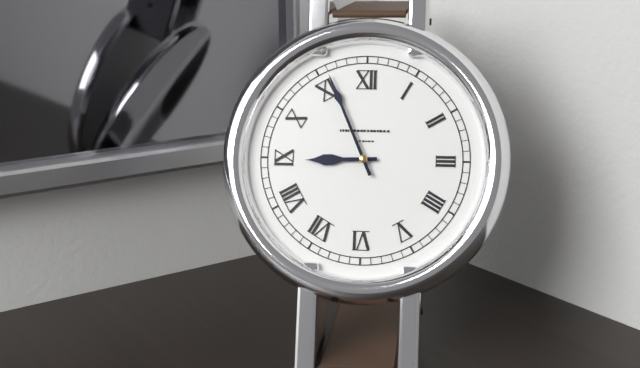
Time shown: 8:56
